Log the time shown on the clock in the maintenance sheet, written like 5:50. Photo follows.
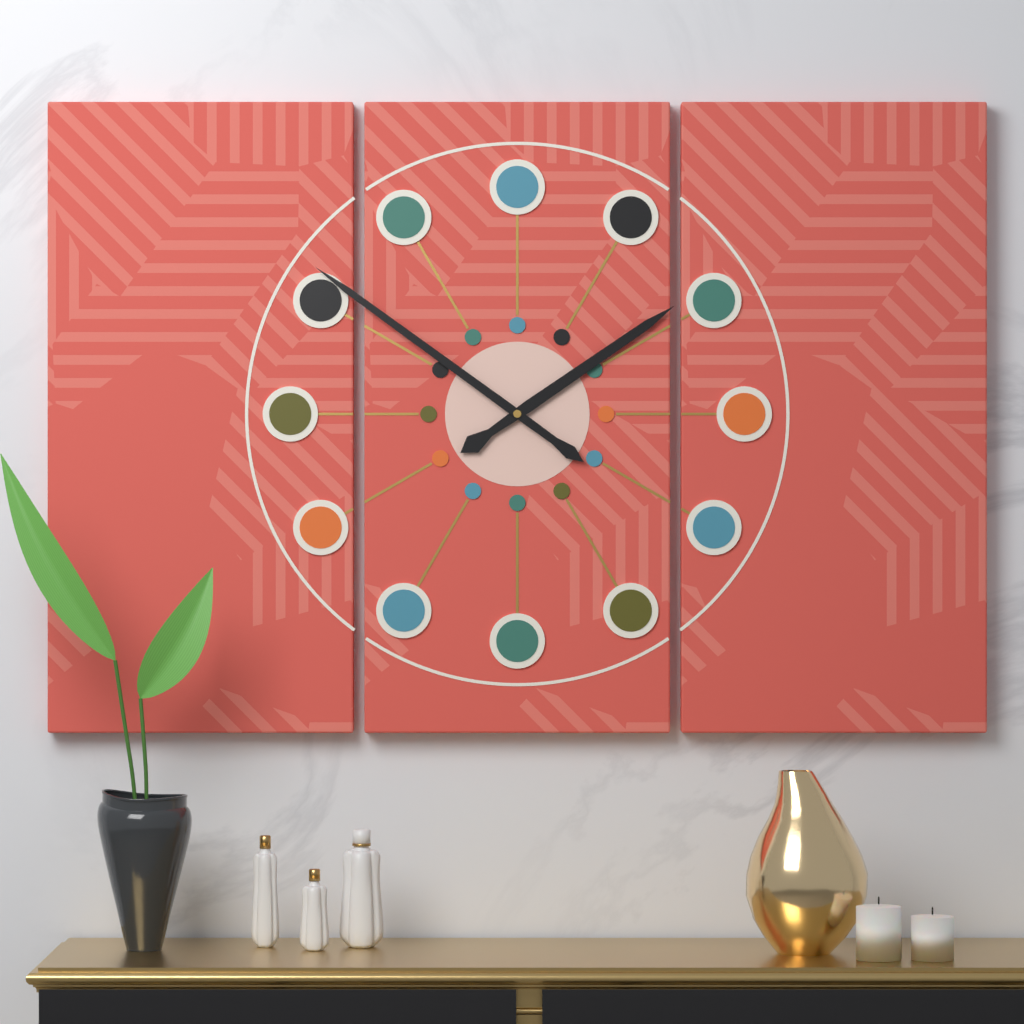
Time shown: 1:51
